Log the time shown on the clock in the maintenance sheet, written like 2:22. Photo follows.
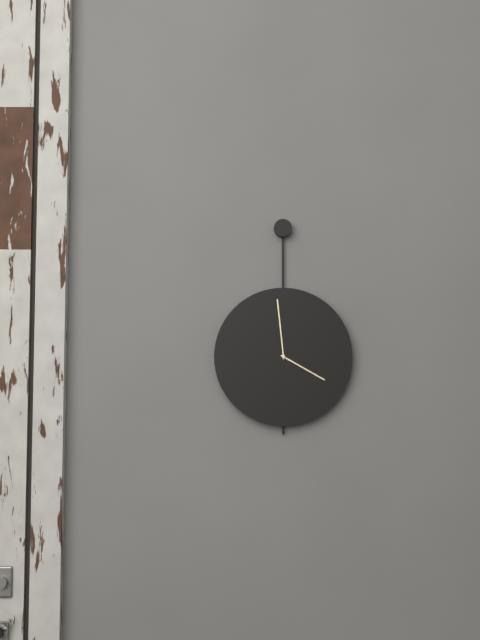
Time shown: 3:59
